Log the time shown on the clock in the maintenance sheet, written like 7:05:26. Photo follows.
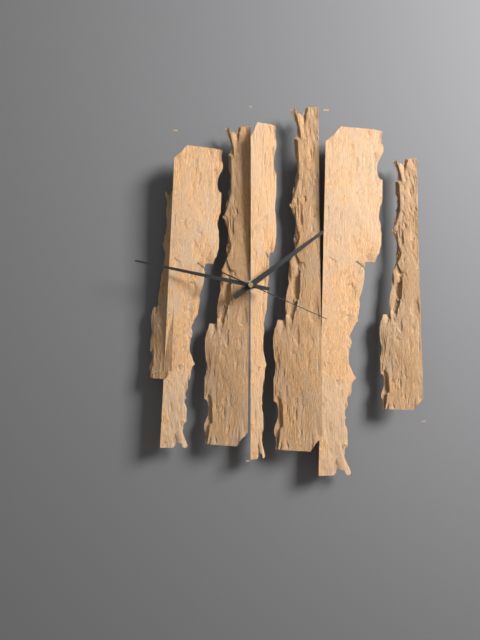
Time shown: 1:47:19
